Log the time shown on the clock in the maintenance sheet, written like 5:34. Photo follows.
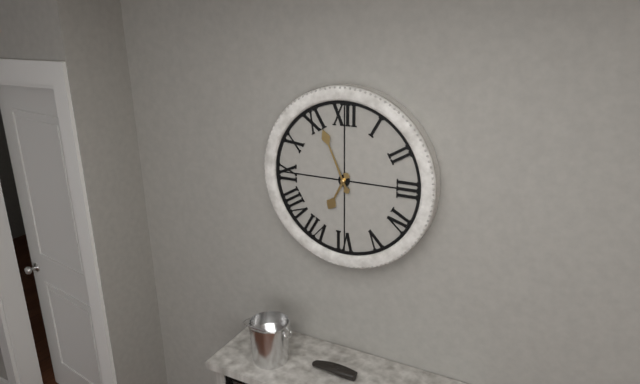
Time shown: 6:56
